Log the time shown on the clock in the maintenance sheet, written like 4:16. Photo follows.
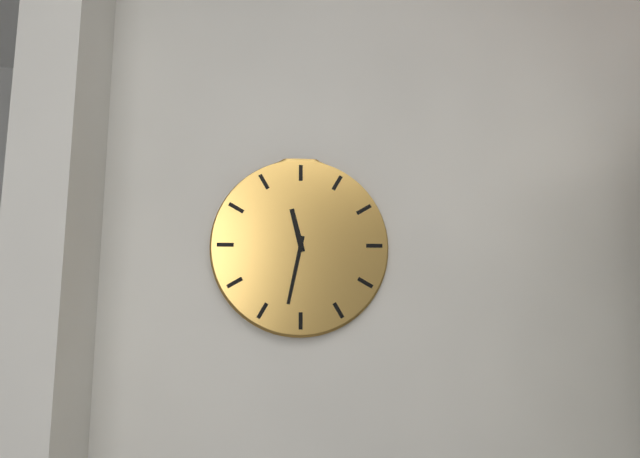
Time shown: 11:32
